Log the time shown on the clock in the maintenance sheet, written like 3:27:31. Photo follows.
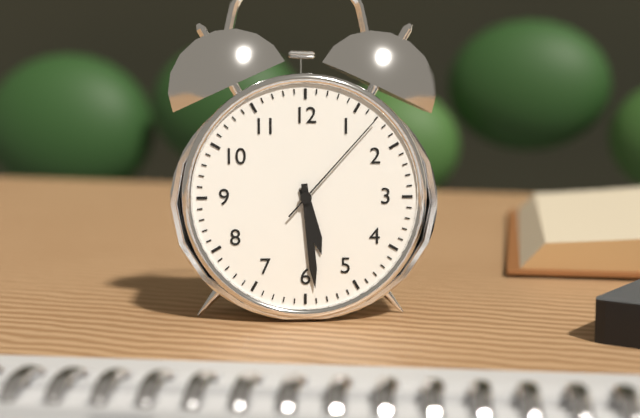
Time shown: 5:29:07
